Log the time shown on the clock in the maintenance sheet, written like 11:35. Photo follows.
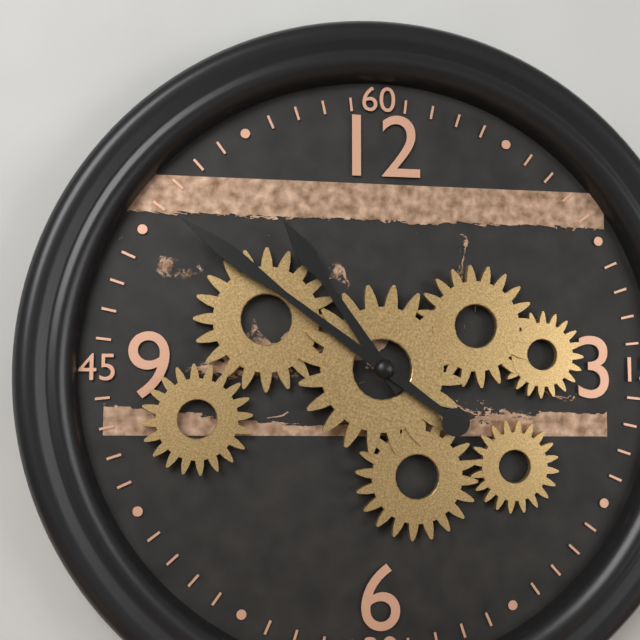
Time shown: 10:51
